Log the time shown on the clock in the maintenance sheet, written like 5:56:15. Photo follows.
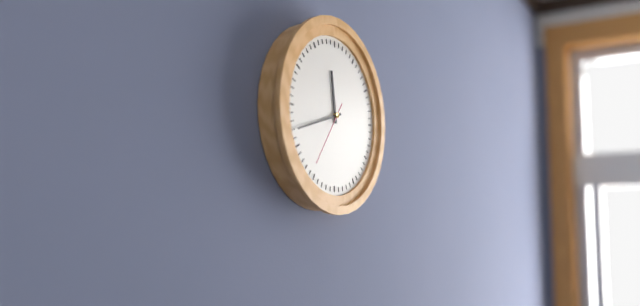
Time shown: 11:42:36
